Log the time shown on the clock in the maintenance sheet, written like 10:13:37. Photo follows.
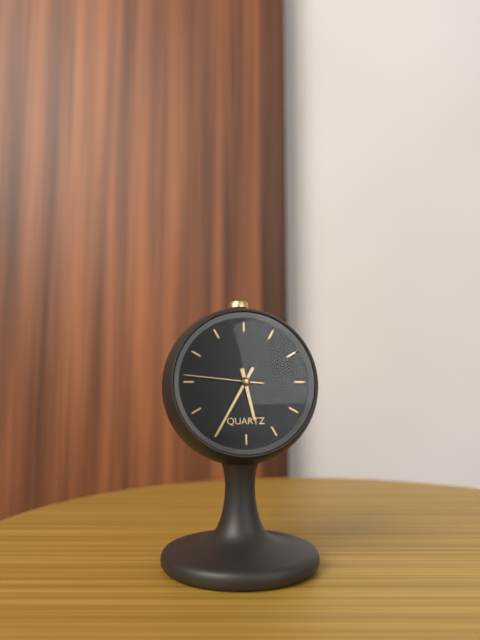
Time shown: 5:35:46
